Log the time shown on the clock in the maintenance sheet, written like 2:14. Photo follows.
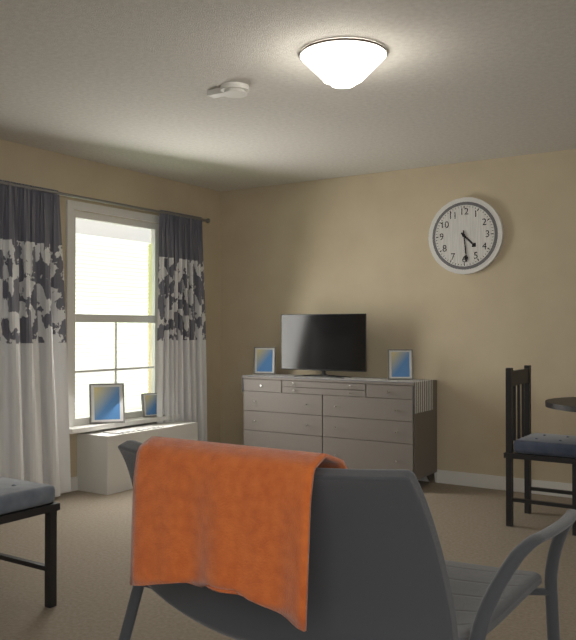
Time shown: 4:29
